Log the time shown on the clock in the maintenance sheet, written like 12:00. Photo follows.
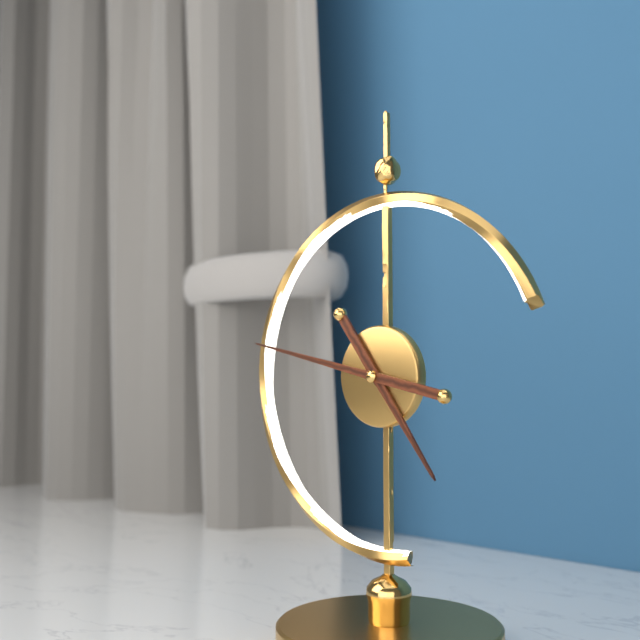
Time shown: 4:47
